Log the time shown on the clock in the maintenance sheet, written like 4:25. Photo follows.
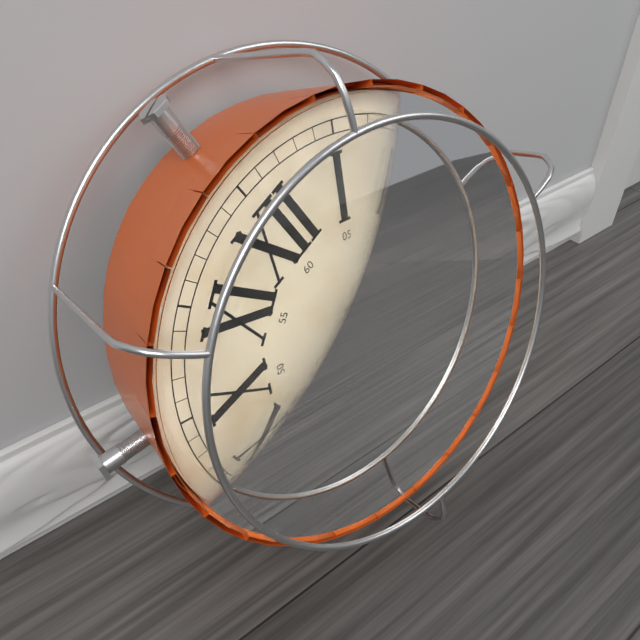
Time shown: 6:42
